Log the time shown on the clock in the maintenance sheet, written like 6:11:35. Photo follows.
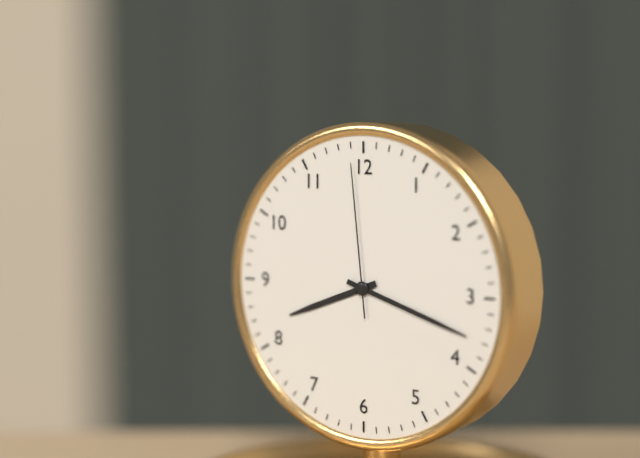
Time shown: 8:18:59
